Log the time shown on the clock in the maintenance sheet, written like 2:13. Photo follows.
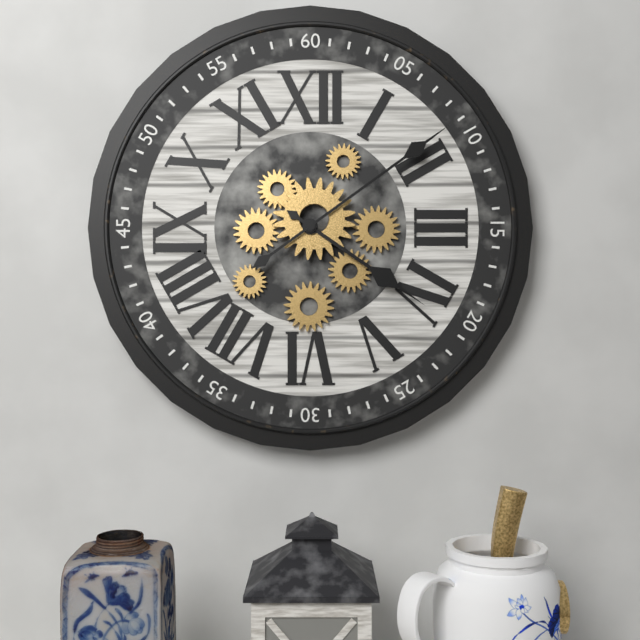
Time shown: 4:09
